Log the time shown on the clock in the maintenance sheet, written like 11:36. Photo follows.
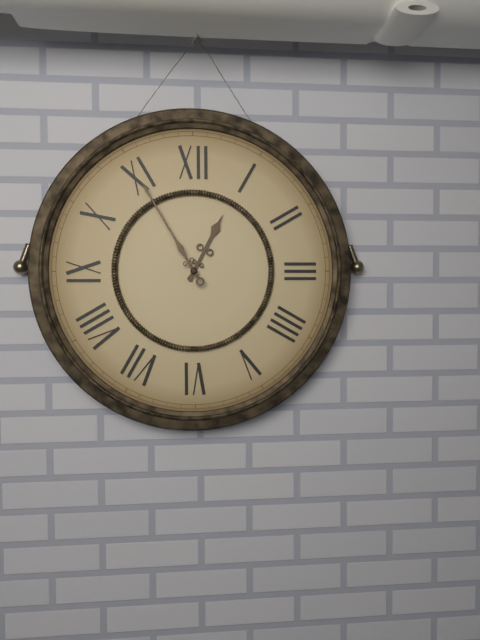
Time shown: 12:55
